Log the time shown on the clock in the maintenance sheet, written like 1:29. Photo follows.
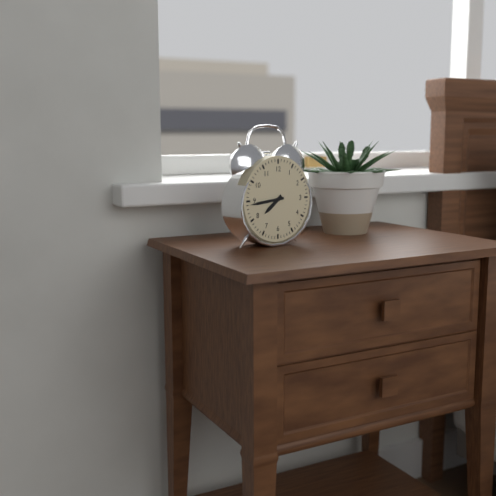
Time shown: 7:44
